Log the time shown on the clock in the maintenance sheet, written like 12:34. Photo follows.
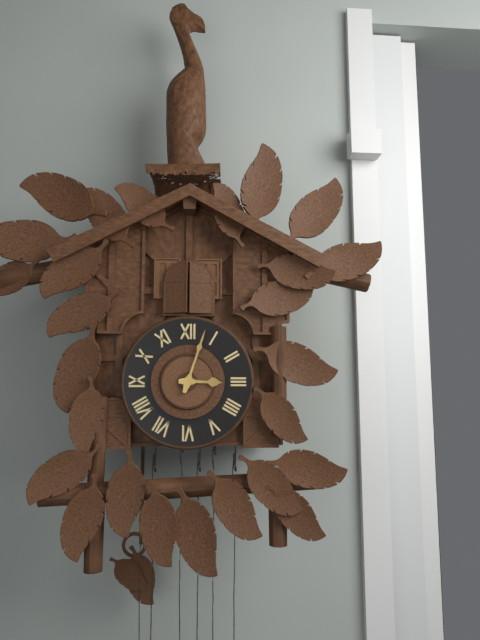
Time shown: 3:03
